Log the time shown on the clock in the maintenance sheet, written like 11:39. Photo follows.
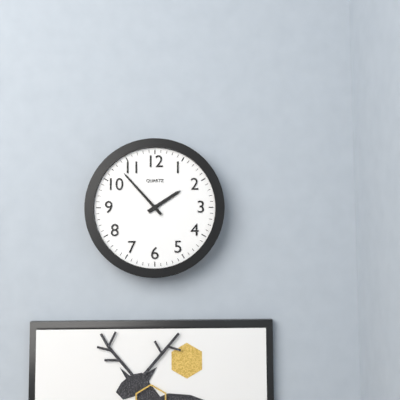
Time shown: 1:53
